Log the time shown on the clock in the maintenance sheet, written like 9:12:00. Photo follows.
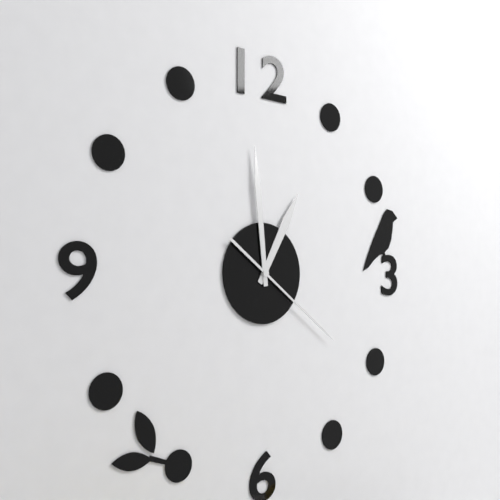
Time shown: 12:59:21
